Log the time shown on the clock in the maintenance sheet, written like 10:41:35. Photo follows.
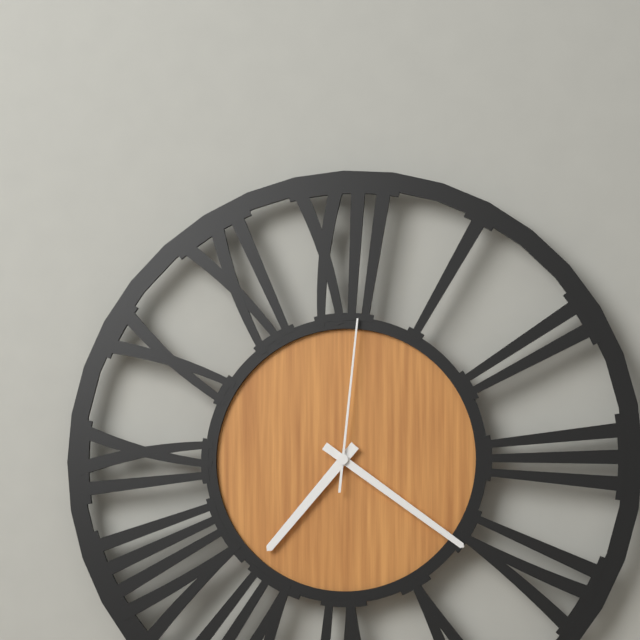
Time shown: 7:21:01
